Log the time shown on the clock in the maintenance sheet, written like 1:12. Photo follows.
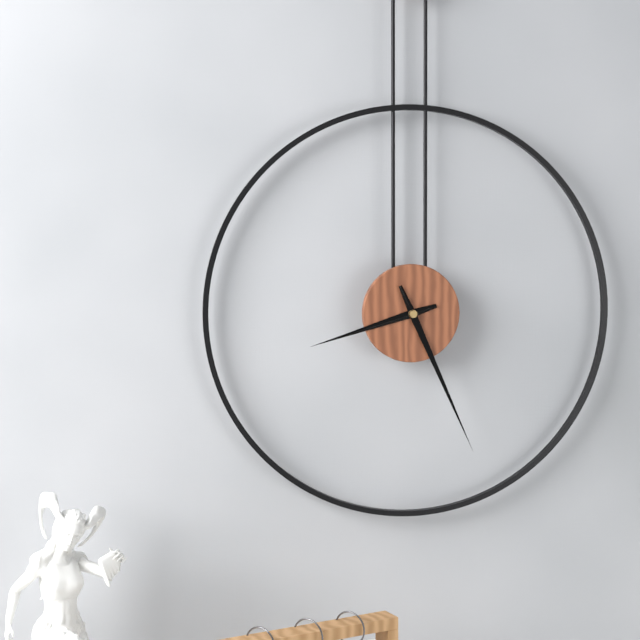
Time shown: 8:26
